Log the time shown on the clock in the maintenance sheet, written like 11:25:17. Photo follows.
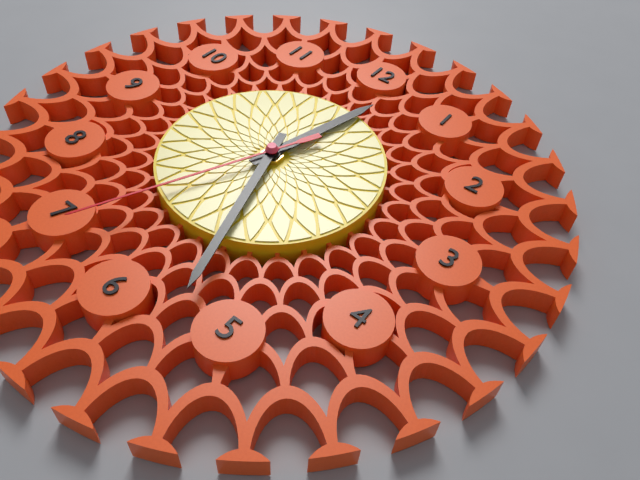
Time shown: 12:27:34
